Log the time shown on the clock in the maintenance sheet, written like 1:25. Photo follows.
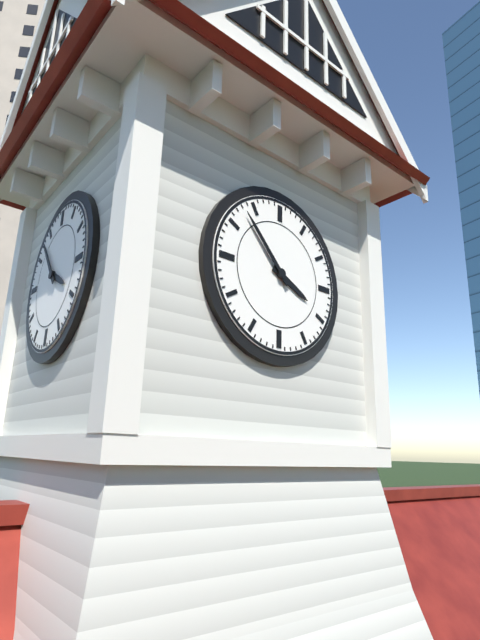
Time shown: 3:53
